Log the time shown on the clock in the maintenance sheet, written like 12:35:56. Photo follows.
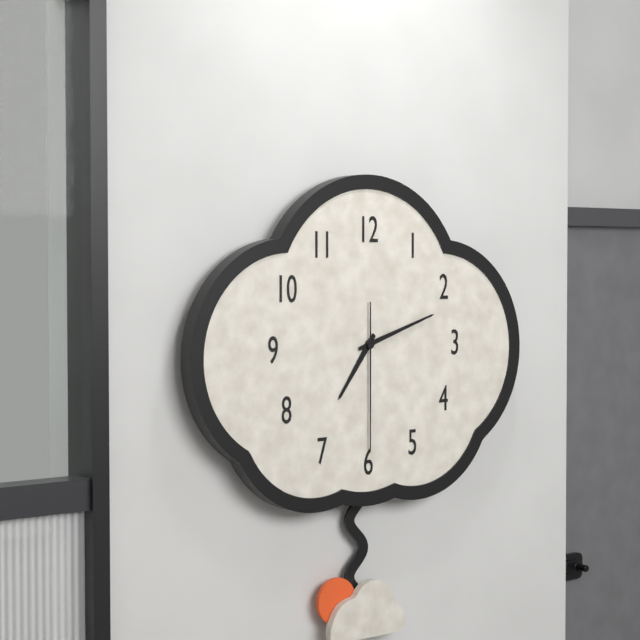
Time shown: 7:12:30
